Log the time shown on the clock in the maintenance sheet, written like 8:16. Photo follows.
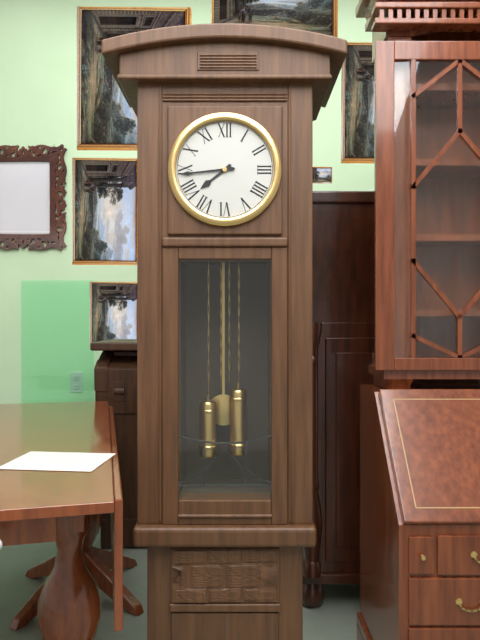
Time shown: 7:44
